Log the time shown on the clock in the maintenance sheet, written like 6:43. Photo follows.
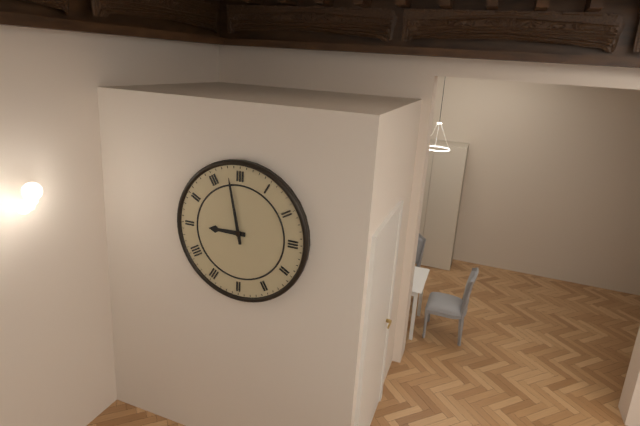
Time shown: 8:58
